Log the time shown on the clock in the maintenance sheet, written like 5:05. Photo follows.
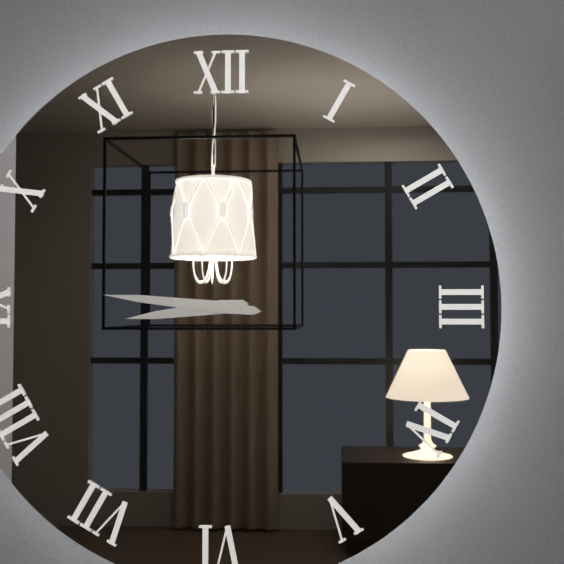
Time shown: 8:46
